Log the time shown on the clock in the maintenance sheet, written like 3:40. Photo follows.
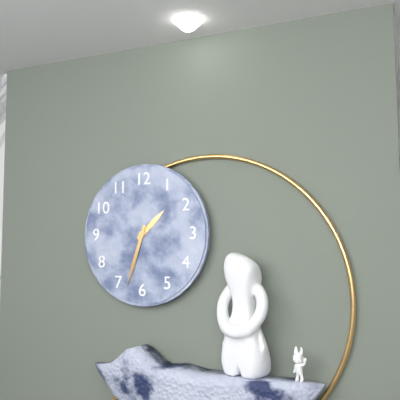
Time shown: 1:33
